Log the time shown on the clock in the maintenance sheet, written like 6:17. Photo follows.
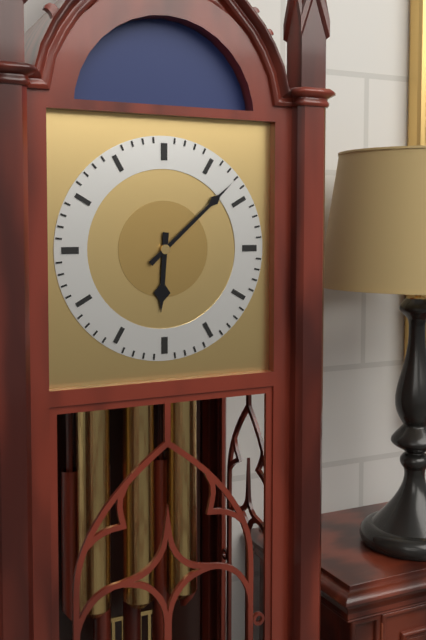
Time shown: 6:08
